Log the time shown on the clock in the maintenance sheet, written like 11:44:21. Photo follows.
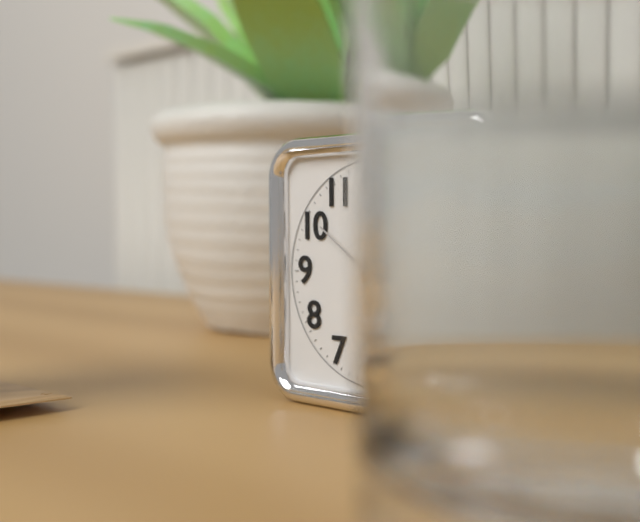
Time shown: 2:28:51
